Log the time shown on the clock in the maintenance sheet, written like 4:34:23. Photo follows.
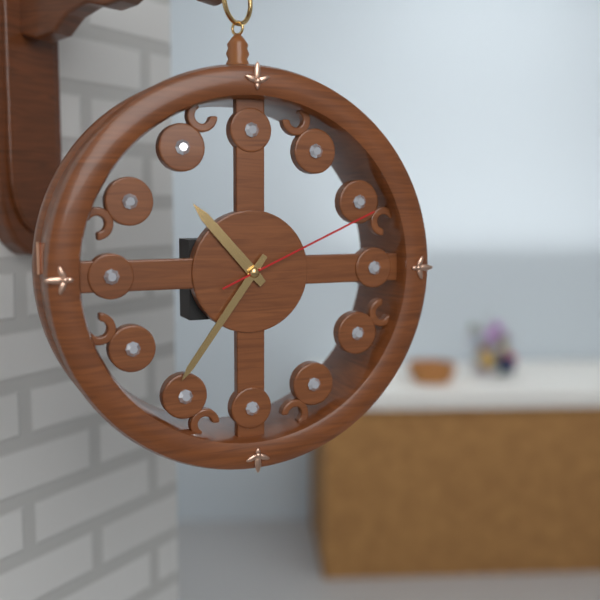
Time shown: 10:36:11
